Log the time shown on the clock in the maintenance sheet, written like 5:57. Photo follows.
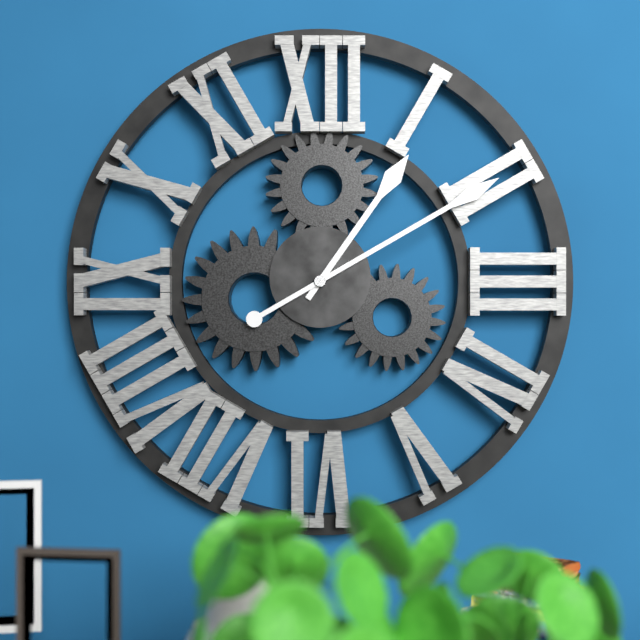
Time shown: 1:10
